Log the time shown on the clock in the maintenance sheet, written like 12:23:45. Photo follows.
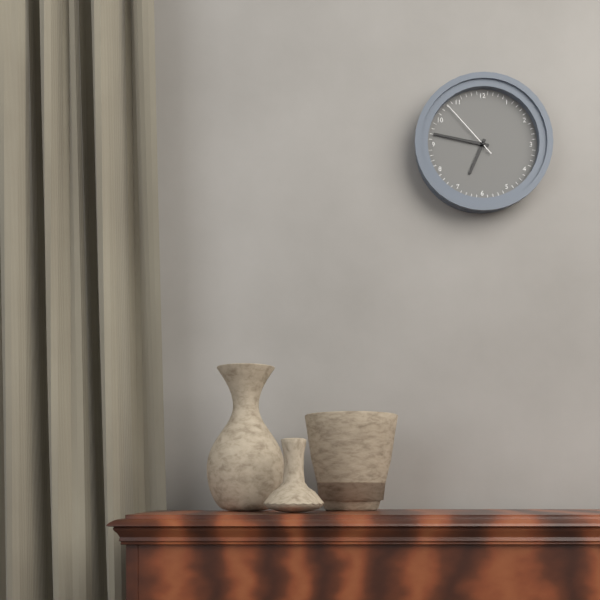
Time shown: 6:47:53
